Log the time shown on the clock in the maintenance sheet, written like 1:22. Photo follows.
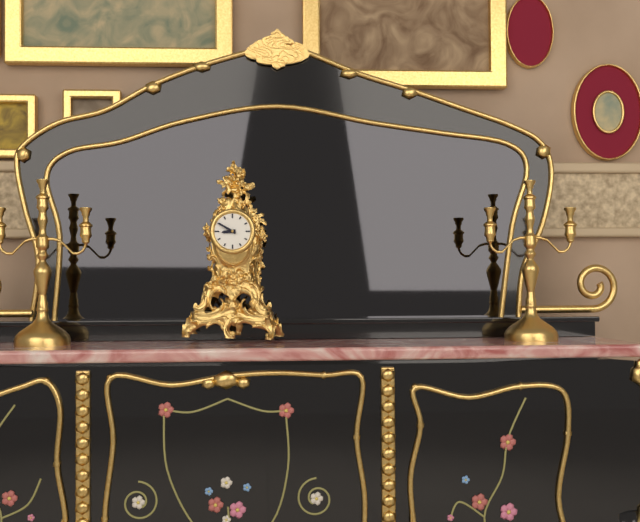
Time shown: 8:50
